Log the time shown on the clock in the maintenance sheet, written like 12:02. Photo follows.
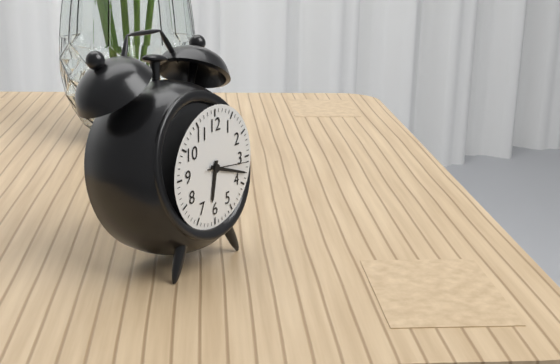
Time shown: 6:18
